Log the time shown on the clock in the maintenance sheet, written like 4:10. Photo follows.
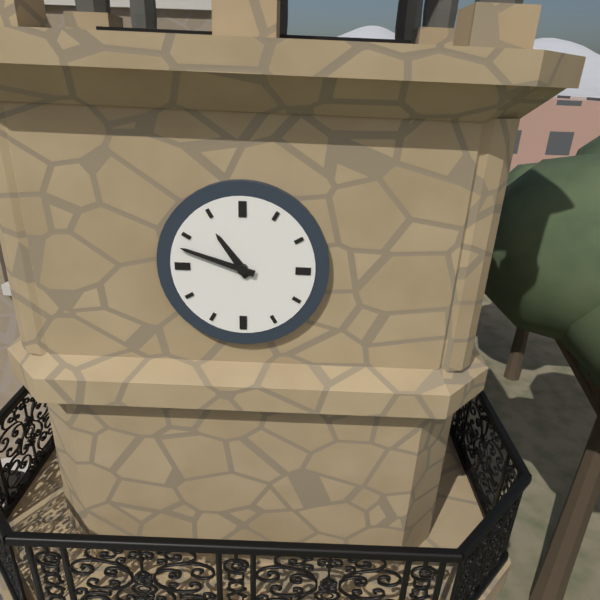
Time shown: 10:48
